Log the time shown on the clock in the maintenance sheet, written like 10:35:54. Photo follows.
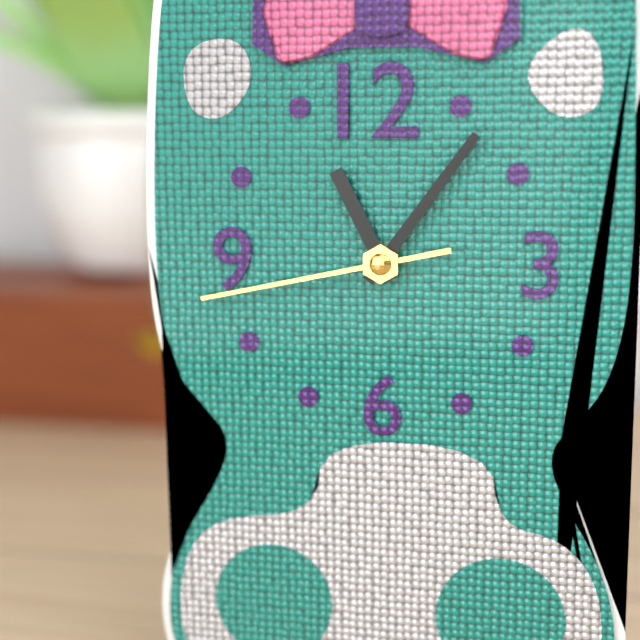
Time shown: 11:06:43
